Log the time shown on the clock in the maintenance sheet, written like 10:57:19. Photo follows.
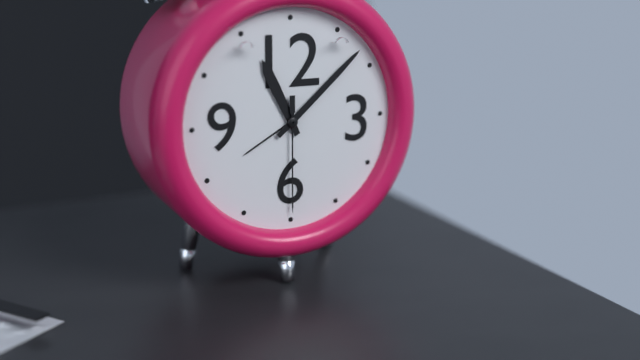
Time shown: 11:08:30
